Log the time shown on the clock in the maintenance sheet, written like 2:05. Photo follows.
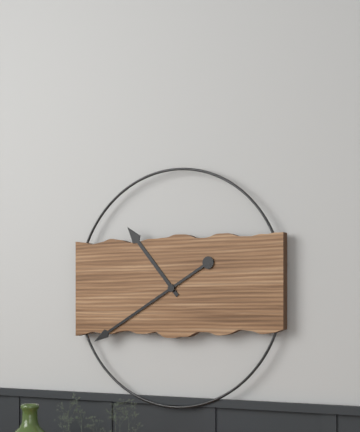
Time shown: 10:40
